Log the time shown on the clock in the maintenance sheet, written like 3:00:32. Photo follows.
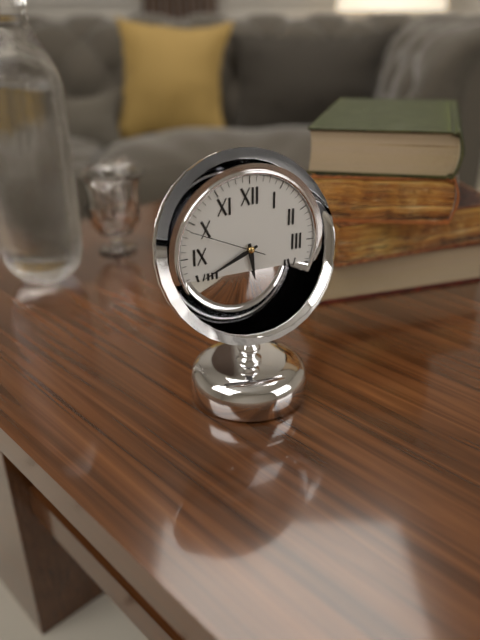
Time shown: 5:41:49
